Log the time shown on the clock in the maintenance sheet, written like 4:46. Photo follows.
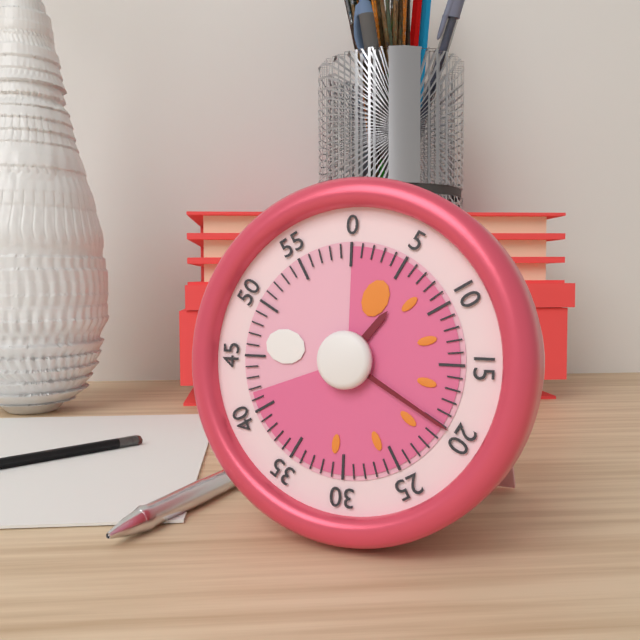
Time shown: 1:20
